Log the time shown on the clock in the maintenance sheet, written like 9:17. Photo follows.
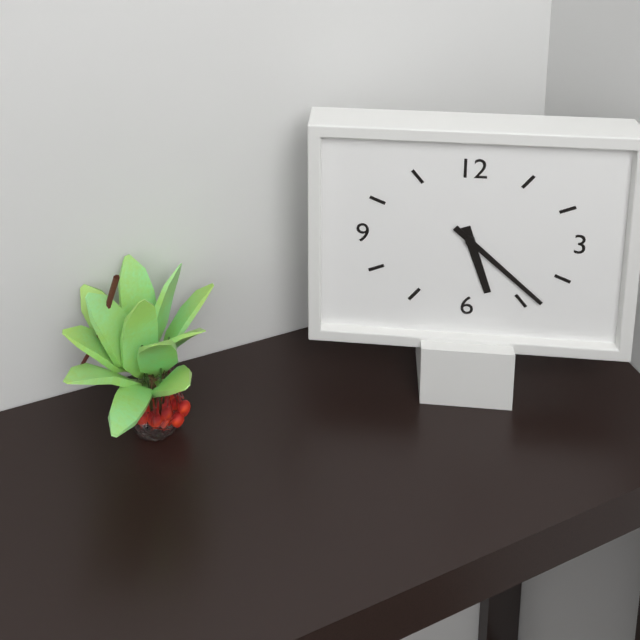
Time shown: 5:22
